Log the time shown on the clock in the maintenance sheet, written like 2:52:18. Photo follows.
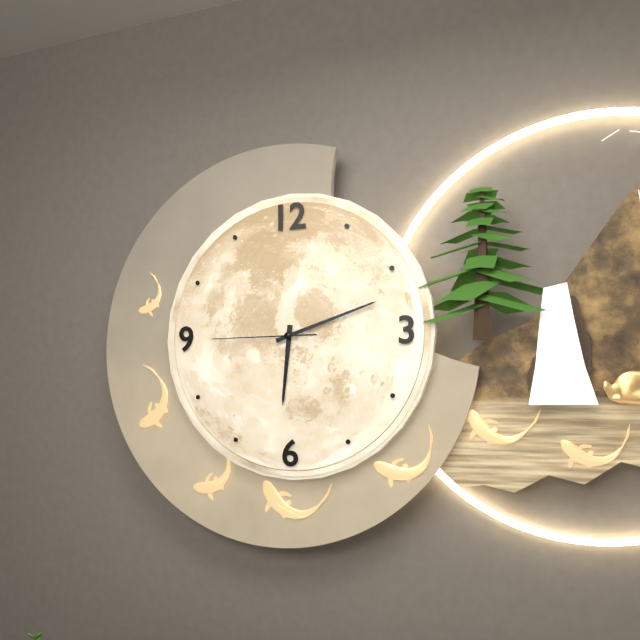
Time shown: 6:12:45
